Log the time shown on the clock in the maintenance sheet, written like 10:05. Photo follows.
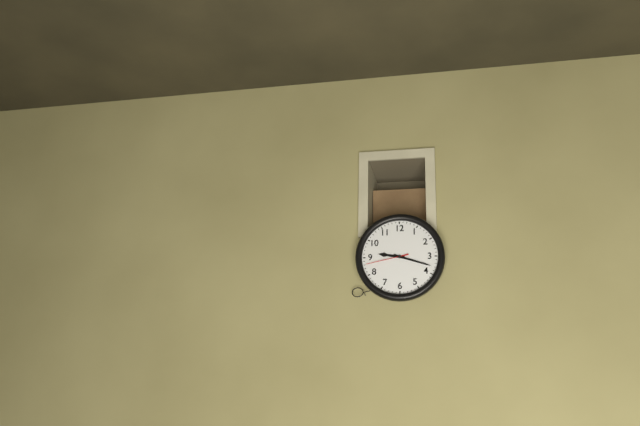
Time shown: 9:18
